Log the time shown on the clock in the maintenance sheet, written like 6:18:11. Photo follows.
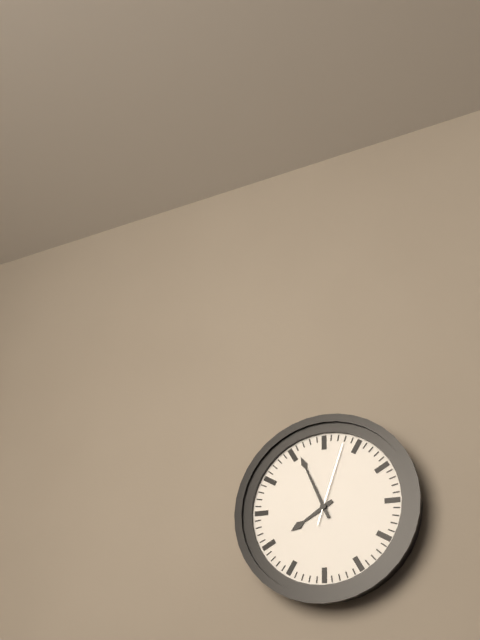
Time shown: 7:56:03
